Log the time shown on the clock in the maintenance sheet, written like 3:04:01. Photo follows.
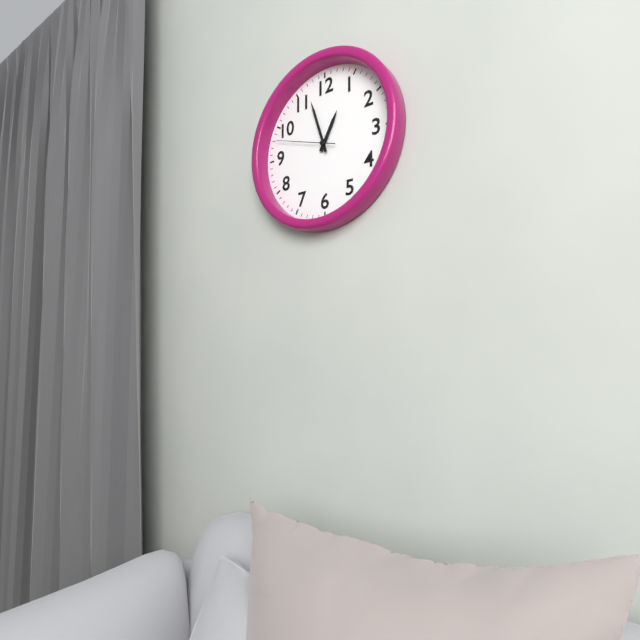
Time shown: 12:57:48
